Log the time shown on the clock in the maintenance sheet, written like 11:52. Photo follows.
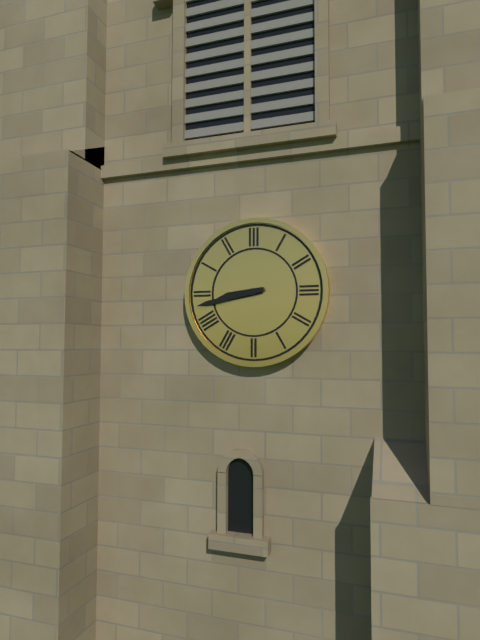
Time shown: 8:43
